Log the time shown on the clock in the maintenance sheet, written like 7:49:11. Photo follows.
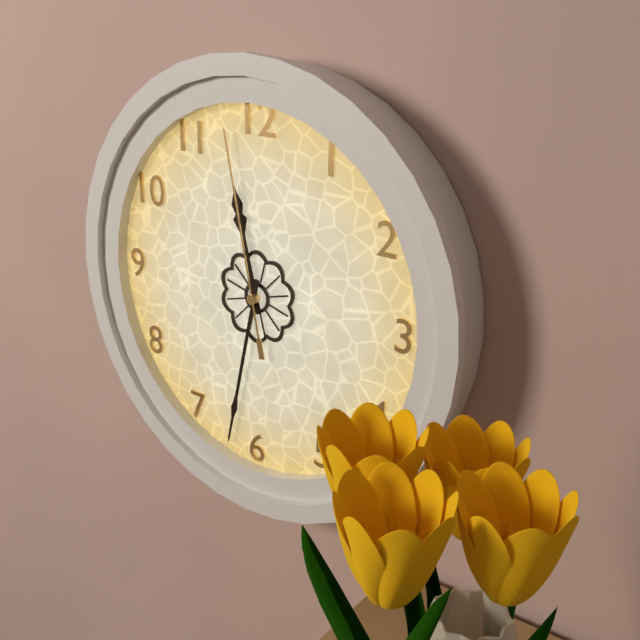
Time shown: 11:32:58
